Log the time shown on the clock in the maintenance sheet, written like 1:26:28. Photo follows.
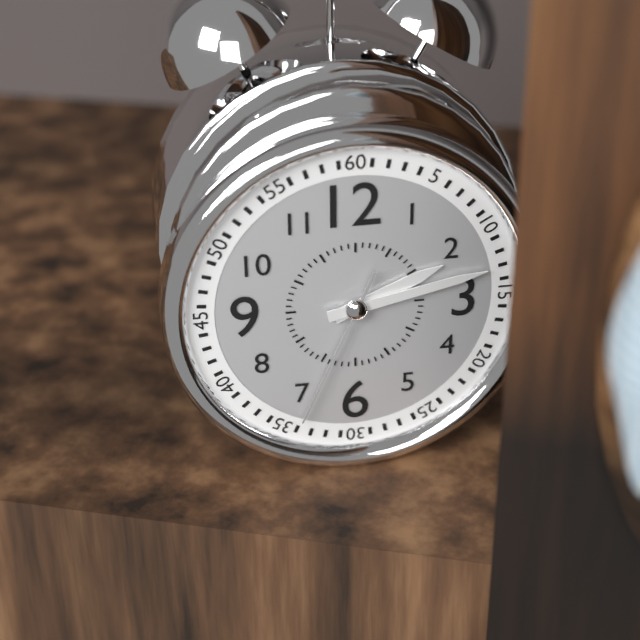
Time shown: 2:13:34
